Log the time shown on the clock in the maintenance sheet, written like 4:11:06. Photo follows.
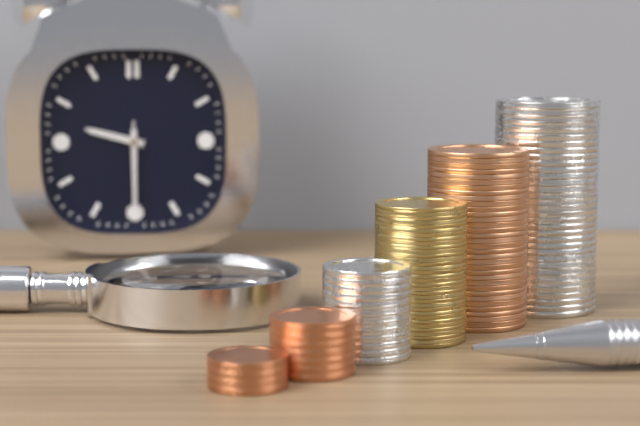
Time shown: 9:30:30
